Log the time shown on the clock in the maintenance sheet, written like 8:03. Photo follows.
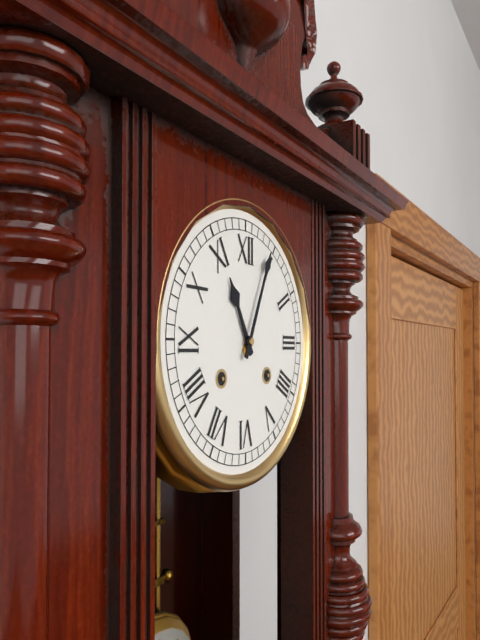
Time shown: 11:04
